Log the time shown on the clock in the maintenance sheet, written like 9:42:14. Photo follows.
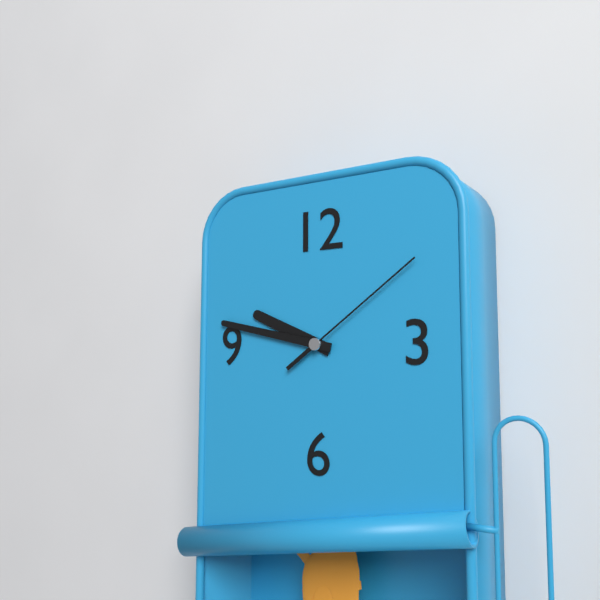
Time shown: 9:47:09
